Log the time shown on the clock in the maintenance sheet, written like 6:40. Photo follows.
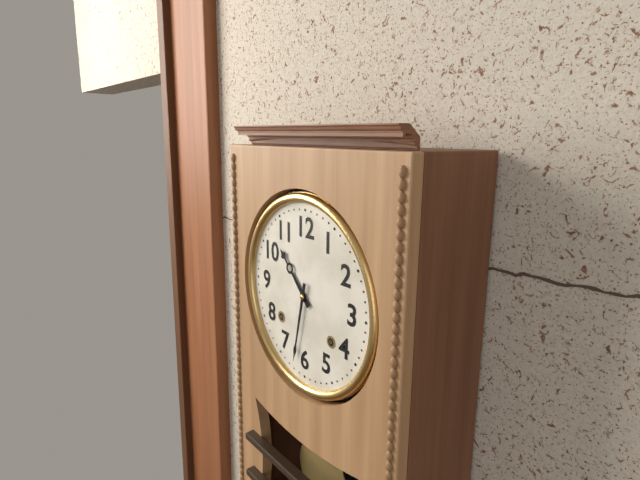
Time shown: 10:32
